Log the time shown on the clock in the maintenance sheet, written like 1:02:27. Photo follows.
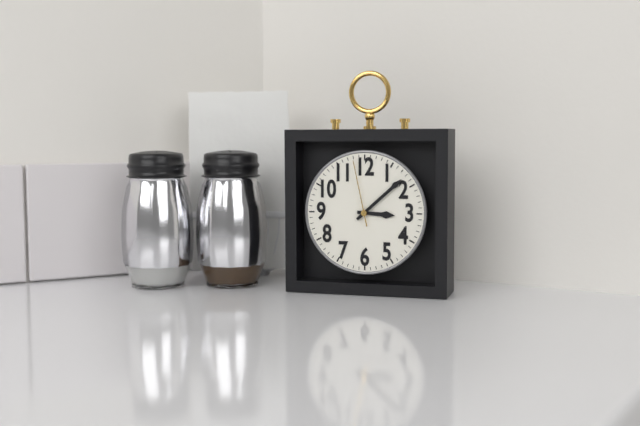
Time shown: 3:08:58
